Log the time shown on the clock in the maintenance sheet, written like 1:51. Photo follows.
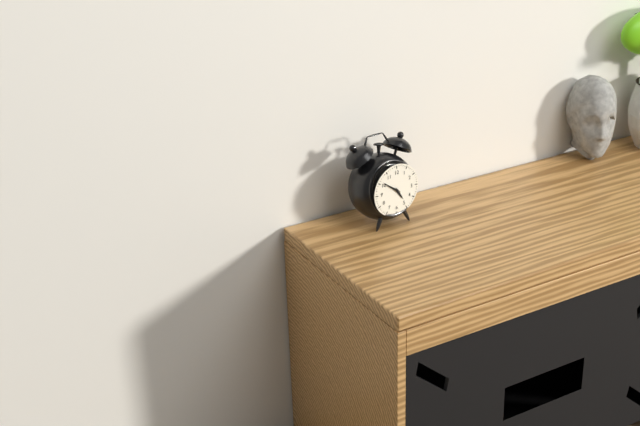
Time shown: 4:51
